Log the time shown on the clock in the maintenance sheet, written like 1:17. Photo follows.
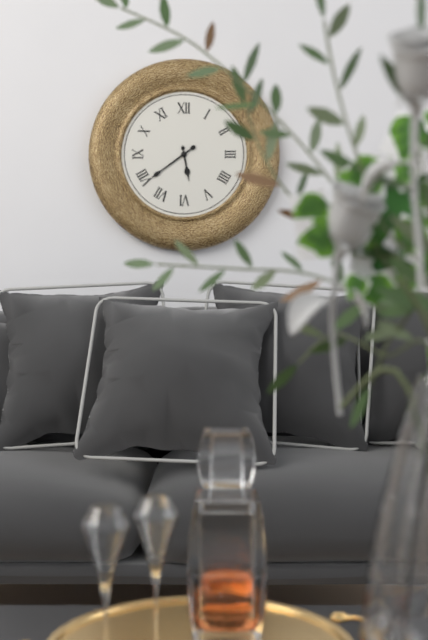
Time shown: 5:39
